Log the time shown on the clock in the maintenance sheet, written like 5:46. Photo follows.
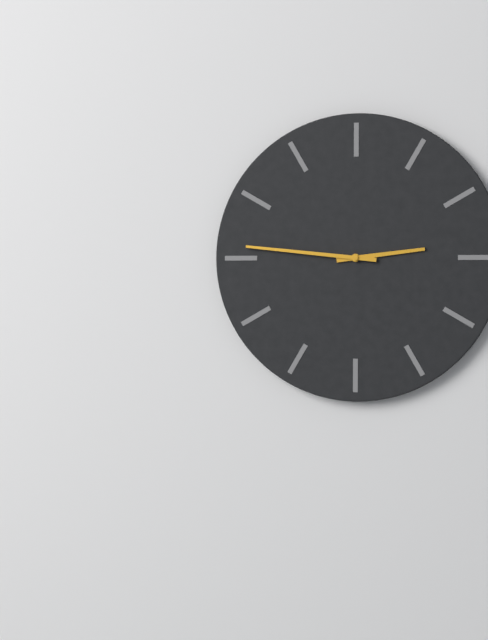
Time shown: 2:46
